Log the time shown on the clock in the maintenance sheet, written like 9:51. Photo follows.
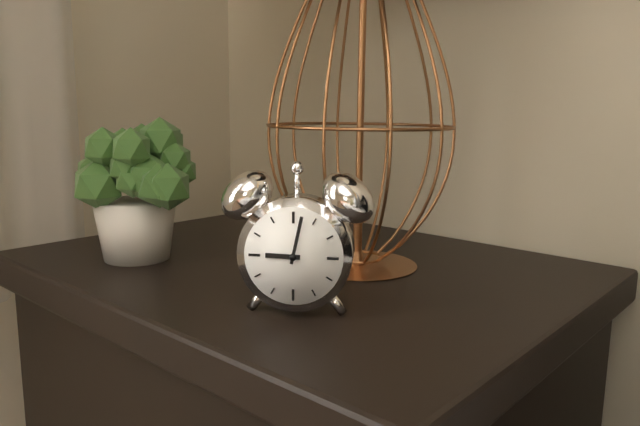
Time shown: 9:02
